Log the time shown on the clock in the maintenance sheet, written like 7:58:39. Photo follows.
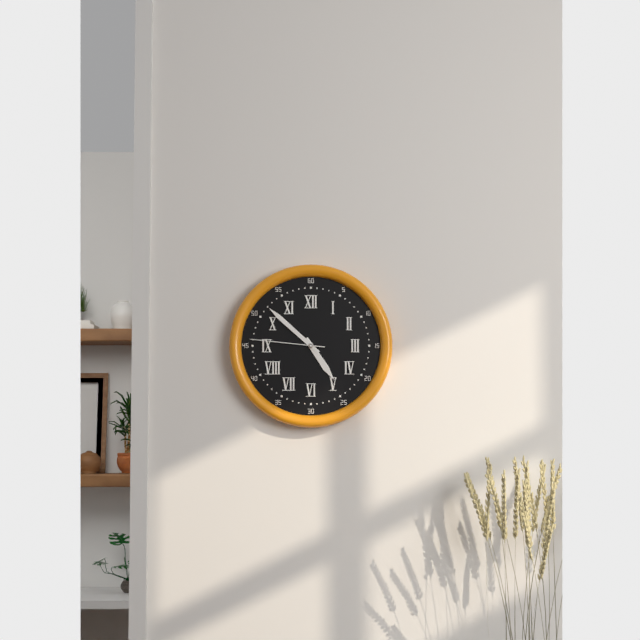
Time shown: 4:52:46
